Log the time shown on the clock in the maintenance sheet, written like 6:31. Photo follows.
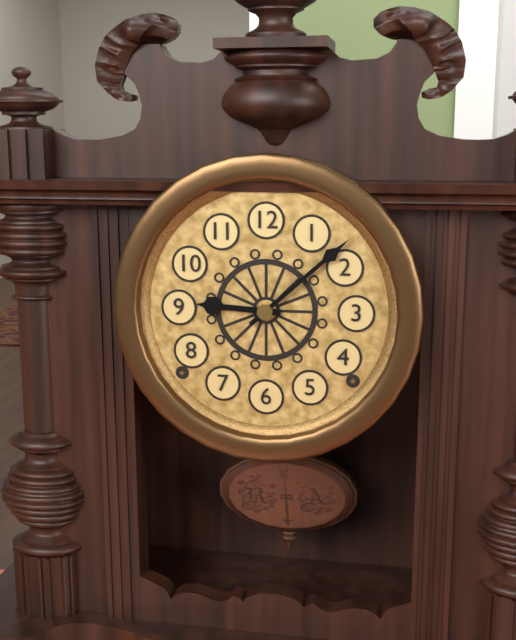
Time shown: 9:08
